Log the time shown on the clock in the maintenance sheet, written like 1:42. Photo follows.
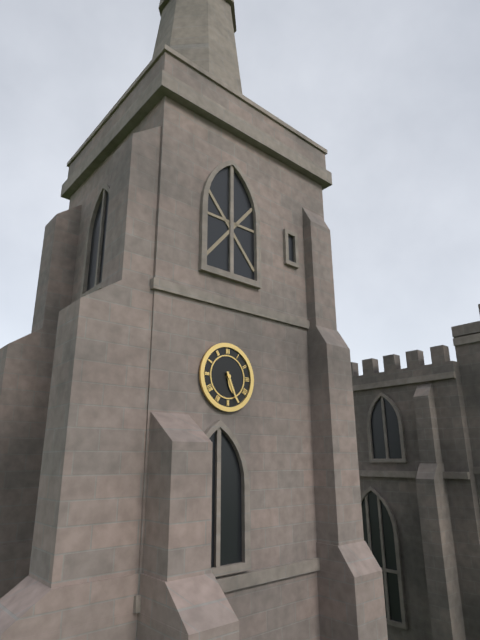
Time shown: 5:26
